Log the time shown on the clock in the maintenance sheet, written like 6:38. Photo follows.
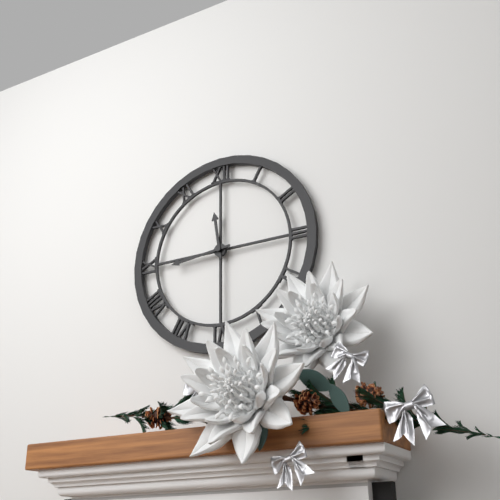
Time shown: 11:44
